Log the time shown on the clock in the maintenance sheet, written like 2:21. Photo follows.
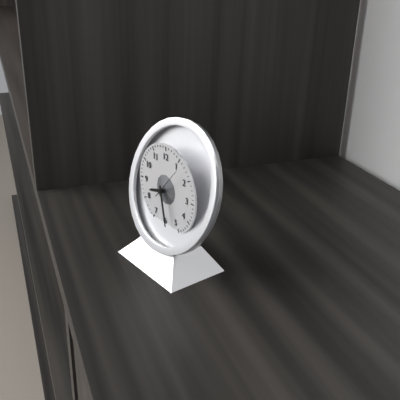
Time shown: 8:28
